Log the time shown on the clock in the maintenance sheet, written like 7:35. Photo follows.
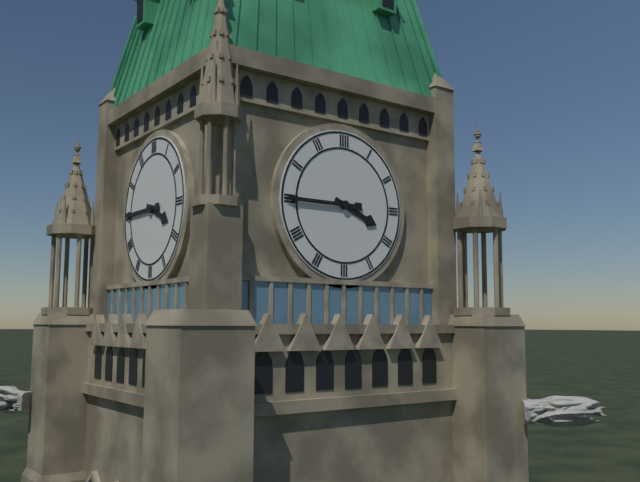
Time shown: 3:45
